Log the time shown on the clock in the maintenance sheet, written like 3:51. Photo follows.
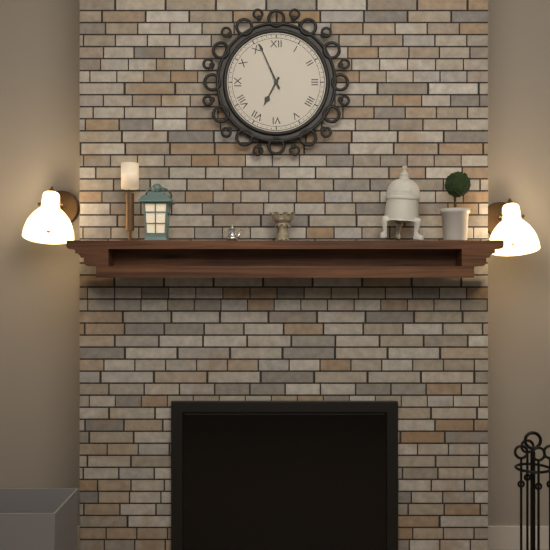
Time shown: 6:56
